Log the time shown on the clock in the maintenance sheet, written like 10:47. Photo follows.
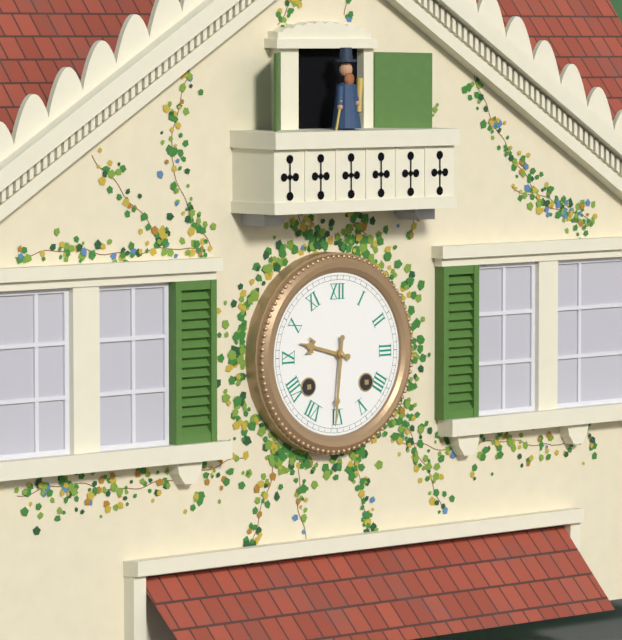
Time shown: 9:31
